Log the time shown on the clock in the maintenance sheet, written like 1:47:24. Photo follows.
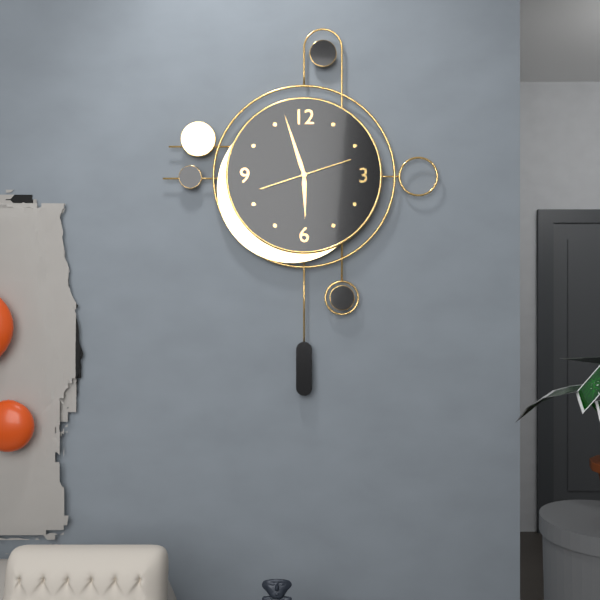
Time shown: 5:57:12
